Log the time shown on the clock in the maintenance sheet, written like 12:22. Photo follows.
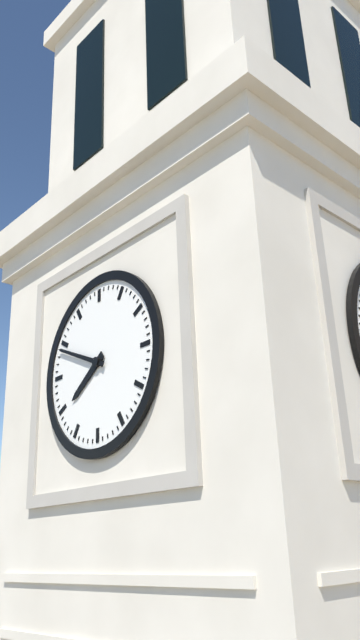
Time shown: 7:49
